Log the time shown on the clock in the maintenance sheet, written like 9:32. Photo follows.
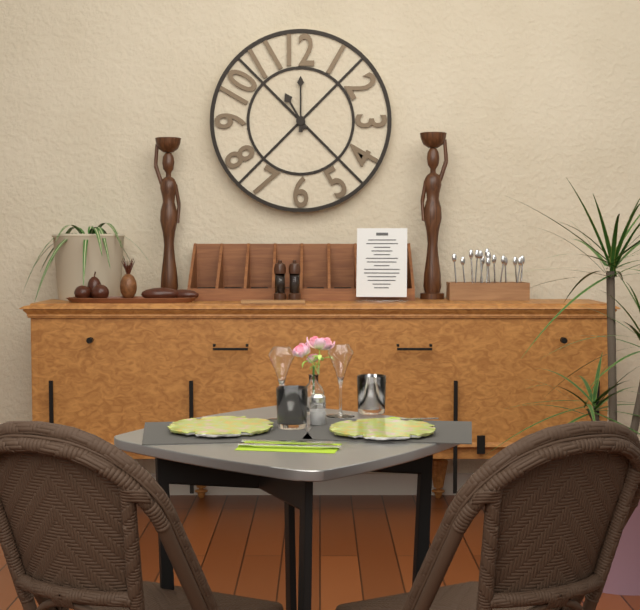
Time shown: 11:00
